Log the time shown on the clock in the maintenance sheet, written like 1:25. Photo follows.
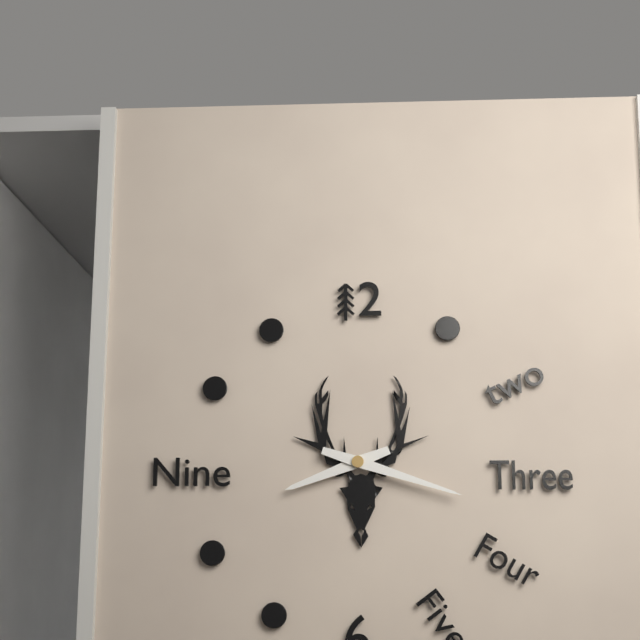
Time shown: 8:18
